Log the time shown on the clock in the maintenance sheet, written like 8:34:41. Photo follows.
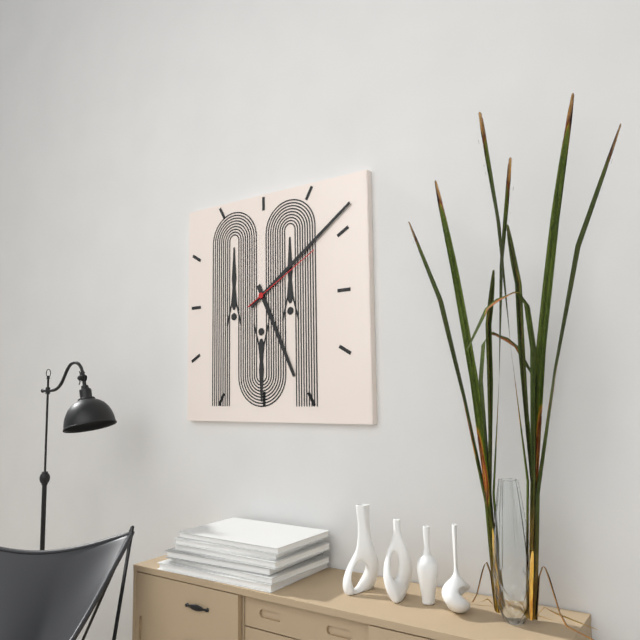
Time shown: 5:09:10
